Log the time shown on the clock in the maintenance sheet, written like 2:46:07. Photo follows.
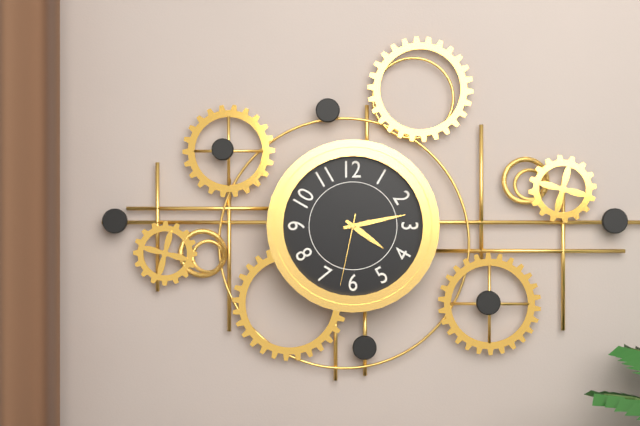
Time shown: 4:13:32
